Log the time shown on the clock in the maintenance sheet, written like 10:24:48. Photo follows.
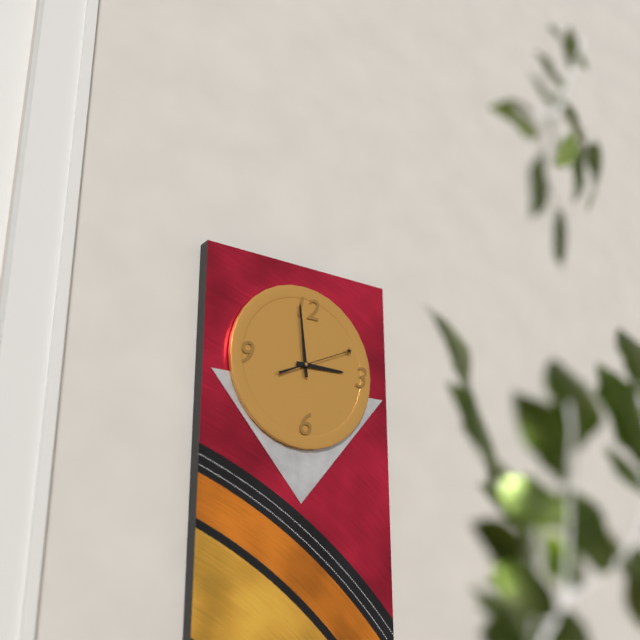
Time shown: 2:59:11
